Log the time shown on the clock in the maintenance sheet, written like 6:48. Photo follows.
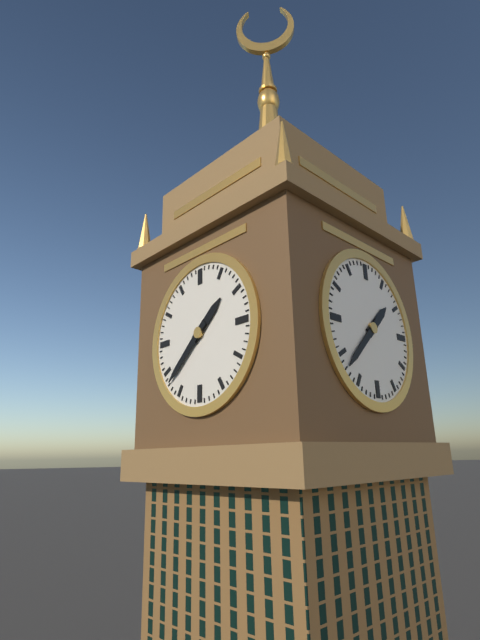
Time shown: 1:38
